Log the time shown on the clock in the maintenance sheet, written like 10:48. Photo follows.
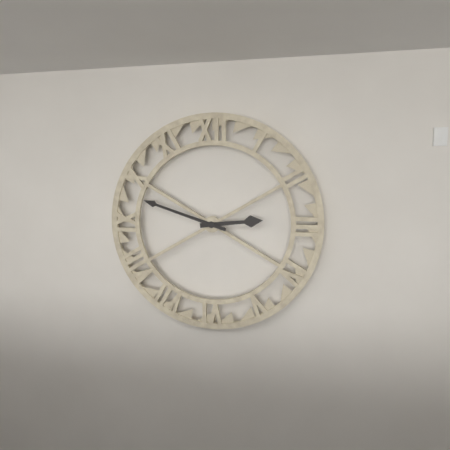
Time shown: 2:48
